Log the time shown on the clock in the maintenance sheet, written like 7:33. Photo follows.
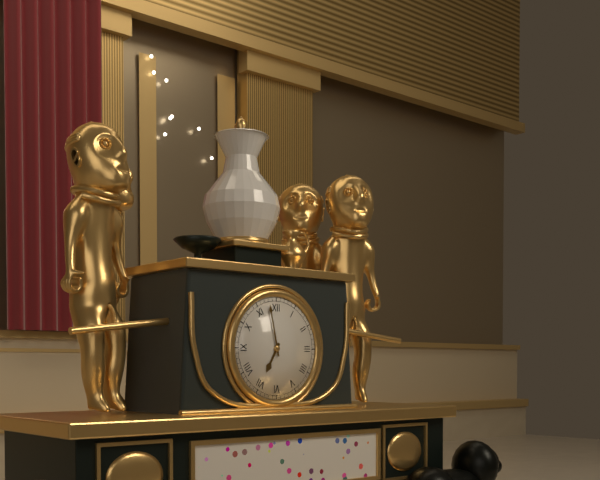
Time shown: 6:58
